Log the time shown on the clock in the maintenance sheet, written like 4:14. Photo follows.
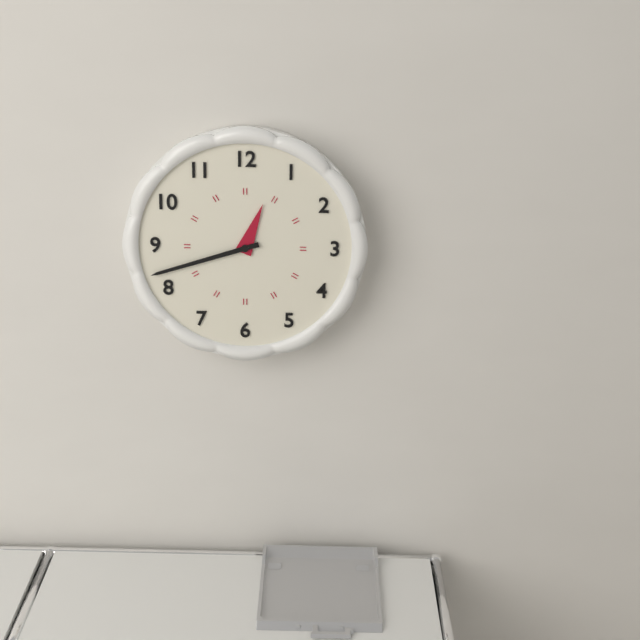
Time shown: 12:42
